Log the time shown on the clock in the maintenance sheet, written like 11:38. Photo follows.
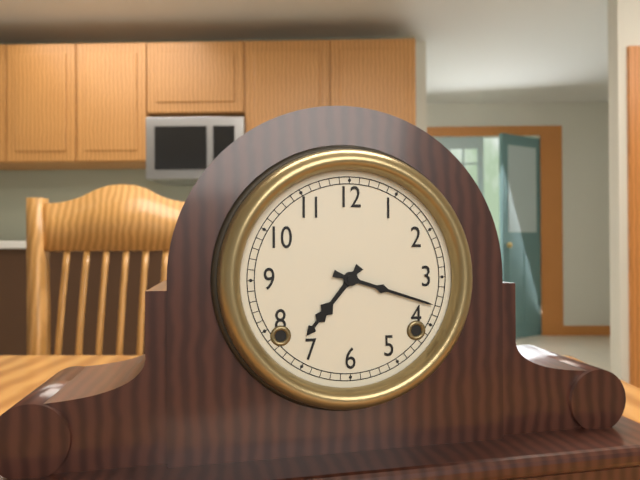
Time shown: 7:18
